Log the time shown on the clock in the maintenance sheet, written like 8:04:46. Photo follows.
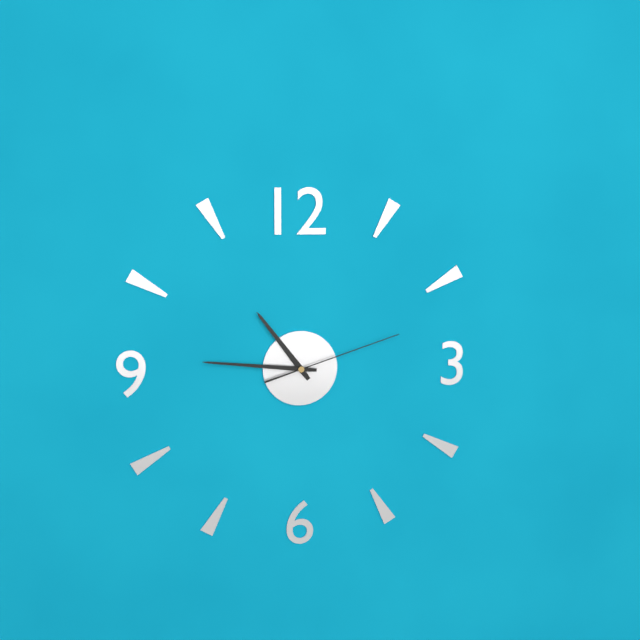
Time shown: 10:46:12
